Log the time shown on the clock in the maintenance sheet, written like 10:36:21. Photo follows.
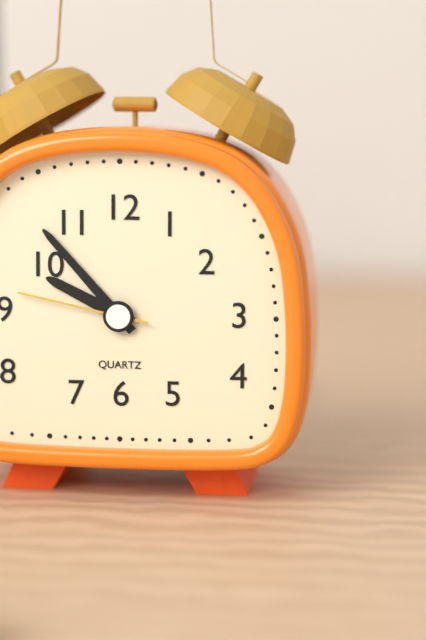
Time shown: 9:53:47
